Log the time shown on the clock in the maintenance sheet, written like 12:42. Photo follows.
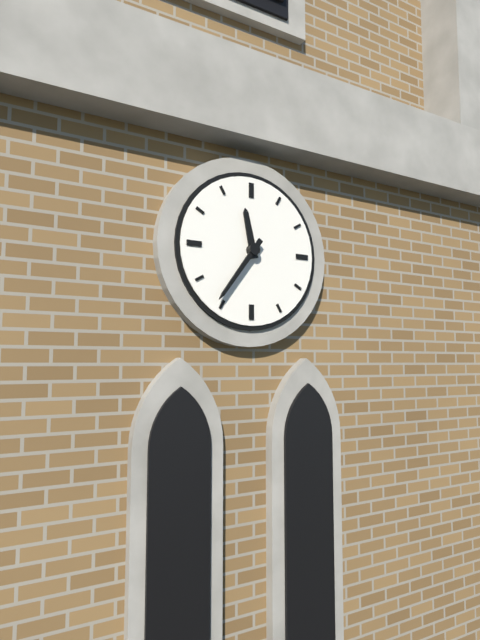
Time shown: 11:36
